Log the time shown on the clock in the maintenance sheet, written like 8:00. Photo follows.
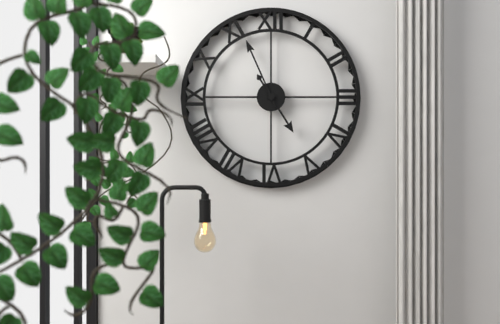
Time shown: 4:56
